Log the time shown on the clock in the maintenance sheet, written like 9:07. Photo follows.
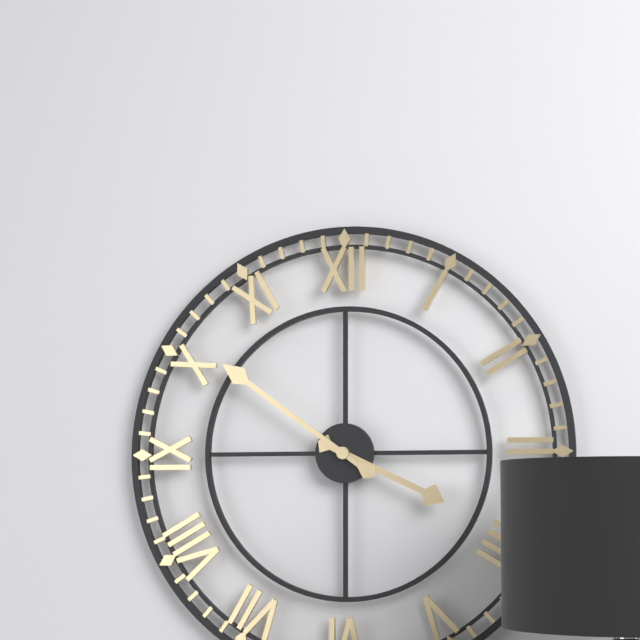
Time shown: 3:51
